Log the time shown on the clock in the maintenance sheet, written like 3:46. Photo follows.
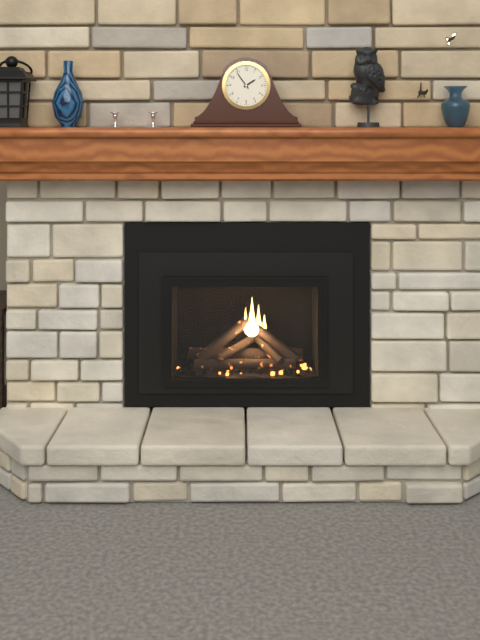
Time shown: 1:54
